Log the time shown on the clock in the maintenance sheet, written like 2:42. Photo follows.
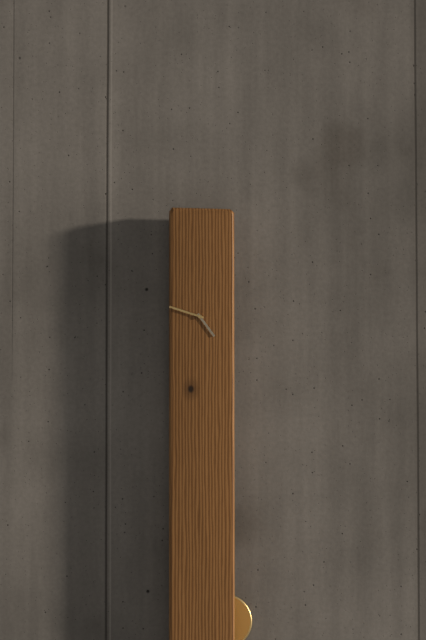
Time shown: 4:48
